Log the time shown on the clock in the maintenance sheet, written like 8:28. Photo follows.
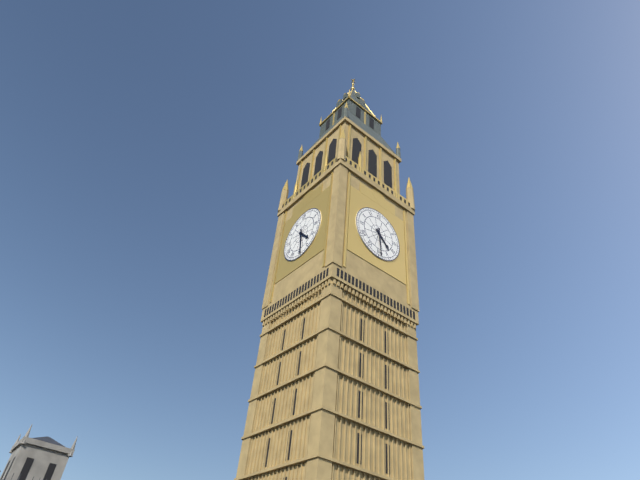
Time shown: 4:29
